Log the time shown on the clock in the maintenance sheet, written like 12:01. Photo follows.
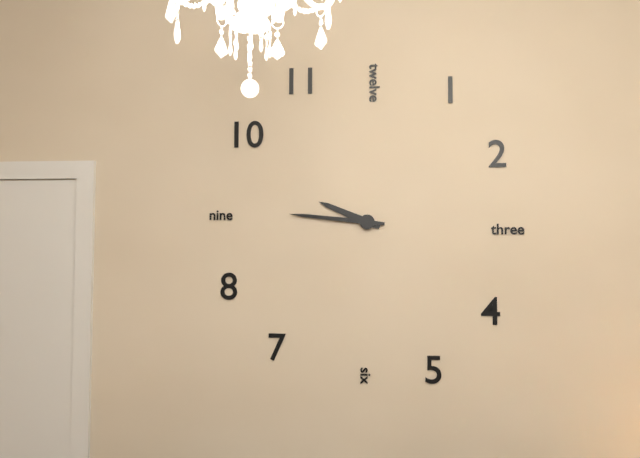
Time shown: 9:46
